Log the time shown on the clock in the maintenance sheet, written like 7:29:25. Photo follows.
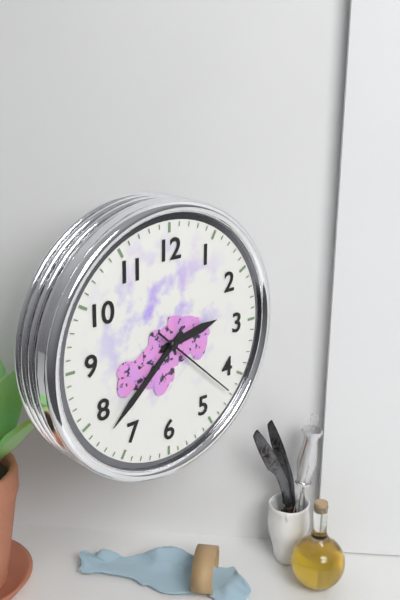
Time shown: 2:38:22
